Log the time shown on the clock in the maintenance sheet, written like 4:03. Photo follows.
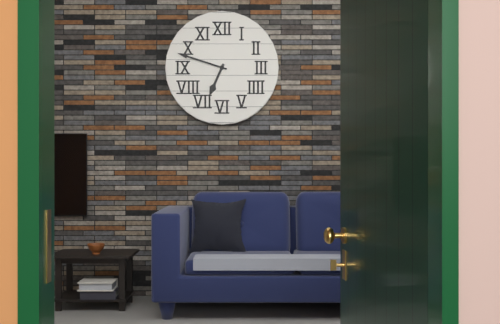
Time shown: 6:48
